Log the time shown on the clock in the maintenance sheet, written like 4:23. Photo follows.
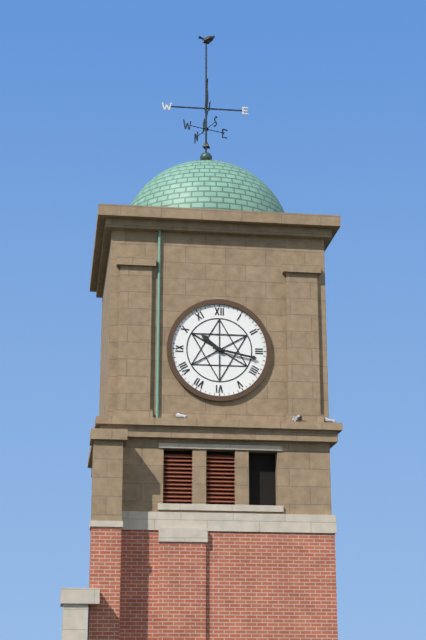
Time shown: 10:17
